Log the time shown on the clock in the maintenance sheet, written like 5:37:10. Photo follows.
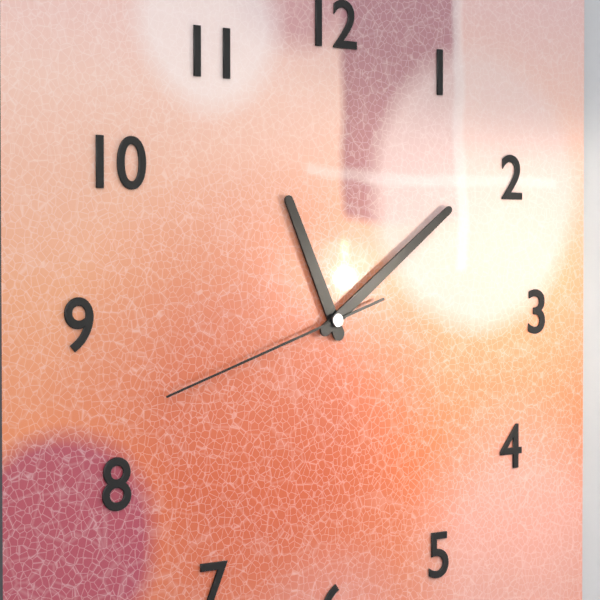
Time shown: 11:09:42
